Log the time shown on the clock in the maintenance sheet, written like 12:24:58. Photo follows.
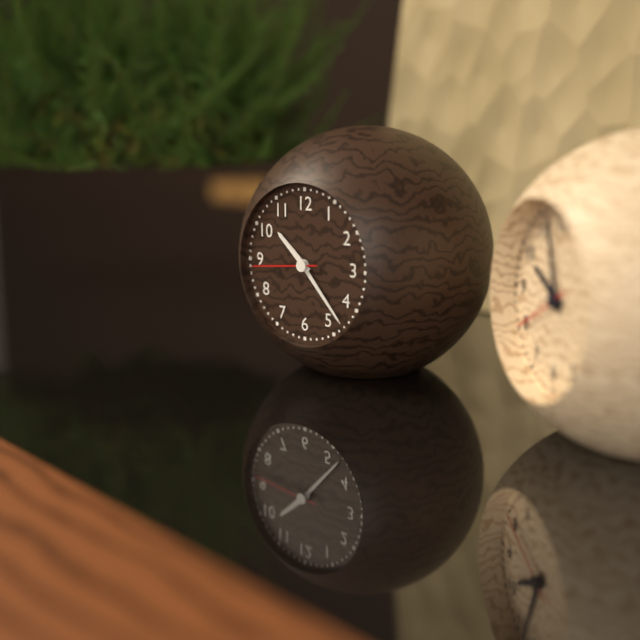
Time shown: 10:23:44
